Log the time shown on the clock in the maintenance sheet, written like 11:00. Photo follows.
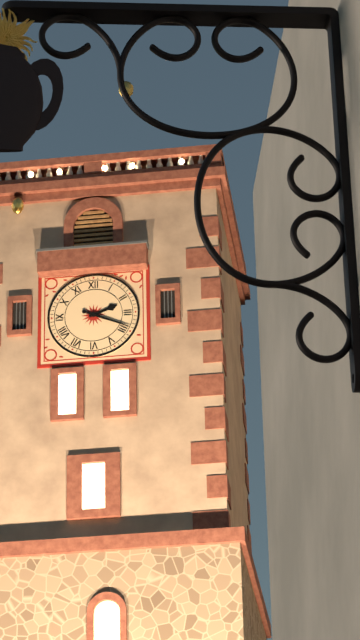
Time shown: 2:19
